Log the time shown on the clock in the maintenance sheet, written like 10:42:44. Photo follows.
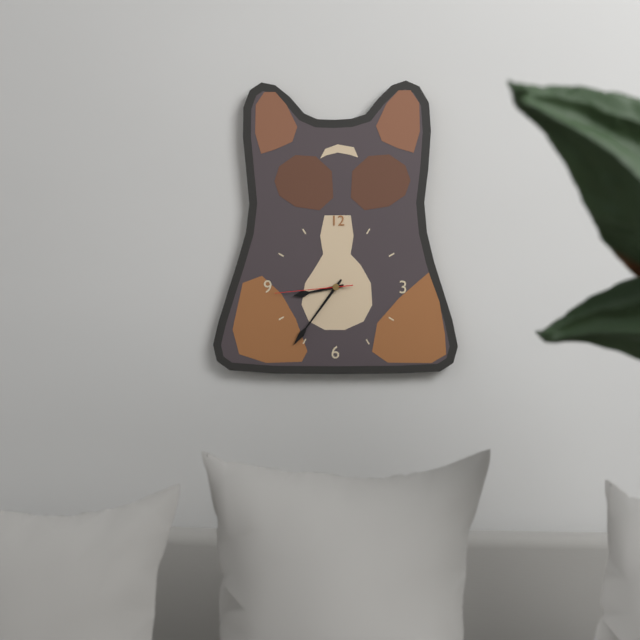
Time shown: 8:36:44
